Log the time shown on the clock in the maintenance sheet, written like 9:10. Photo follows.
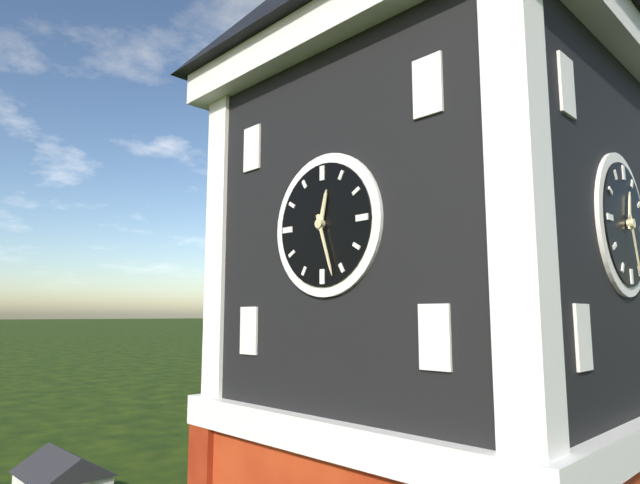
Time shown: 12:27
